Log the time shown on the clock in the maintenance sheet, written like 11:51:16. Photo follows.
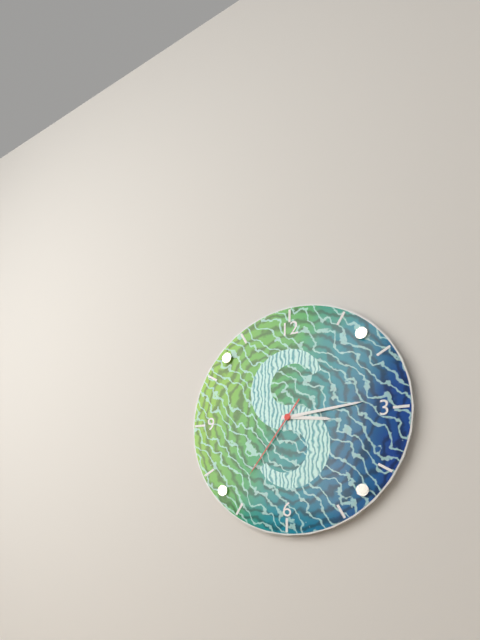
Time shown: 3:14:36
